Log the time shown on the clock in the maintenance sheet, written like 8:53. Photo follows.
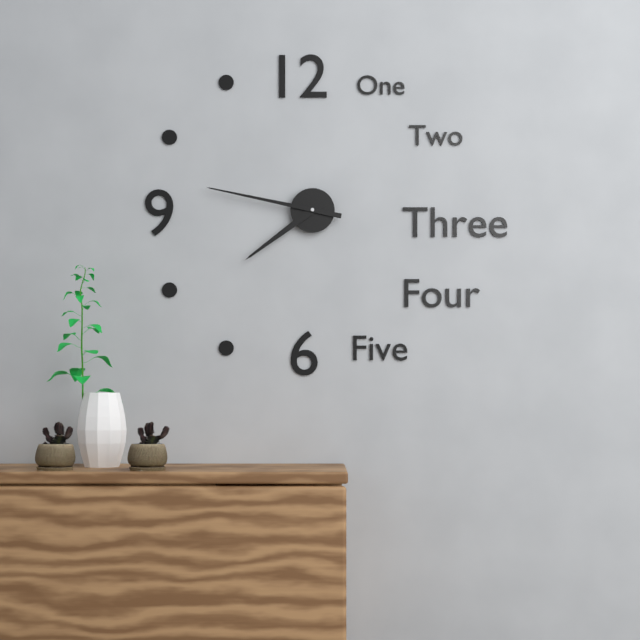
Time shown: 7:47
